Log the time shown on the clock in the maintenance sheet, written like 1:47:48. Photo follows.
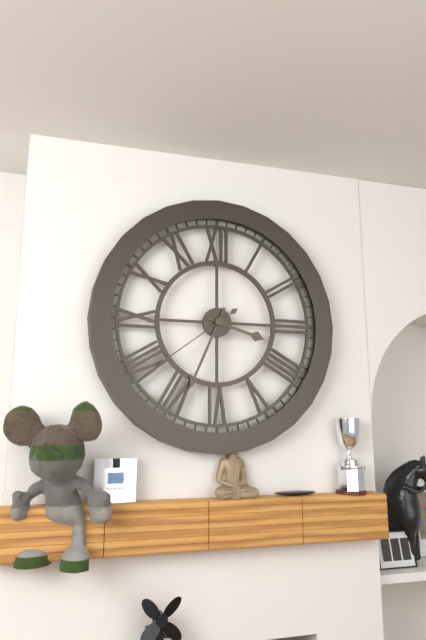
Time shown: 3:34:39
